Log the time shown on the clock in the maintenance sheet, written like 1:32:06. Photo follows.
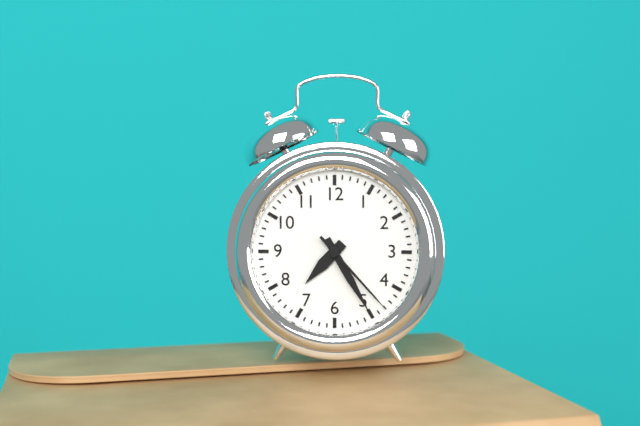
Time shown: 7:25:23
